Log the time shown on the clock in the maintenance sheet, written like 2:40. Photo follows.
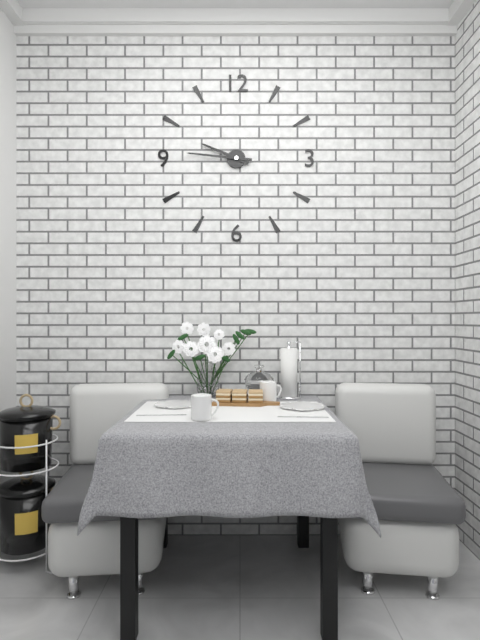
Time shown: 9:46
